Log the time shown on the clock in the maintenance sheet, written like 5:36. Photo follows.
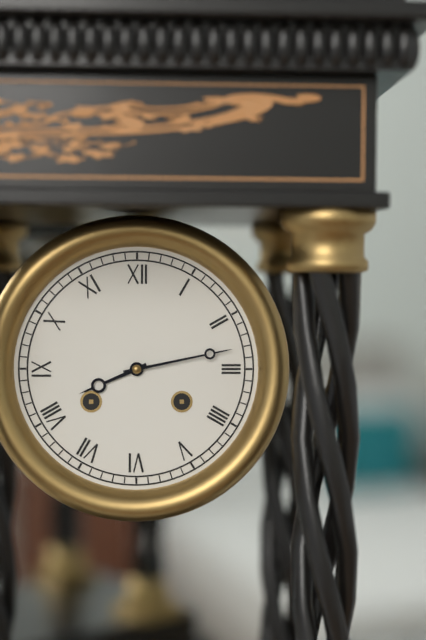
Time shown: 8:13
